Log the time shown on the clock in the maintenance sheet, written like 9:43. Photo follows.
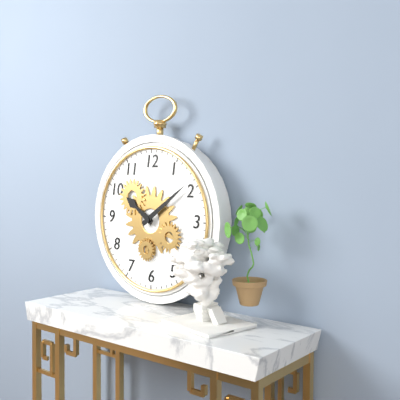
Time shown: 10:09
